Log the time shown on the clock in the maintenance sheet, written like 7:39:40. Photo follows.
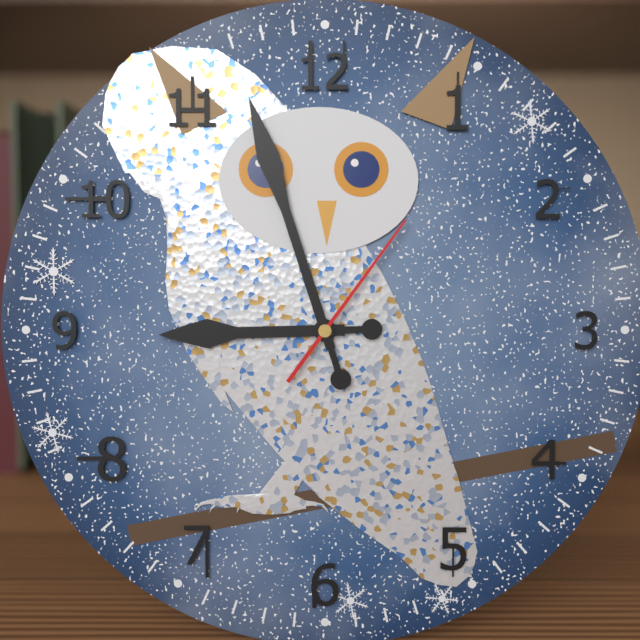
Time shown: 8:57:06
